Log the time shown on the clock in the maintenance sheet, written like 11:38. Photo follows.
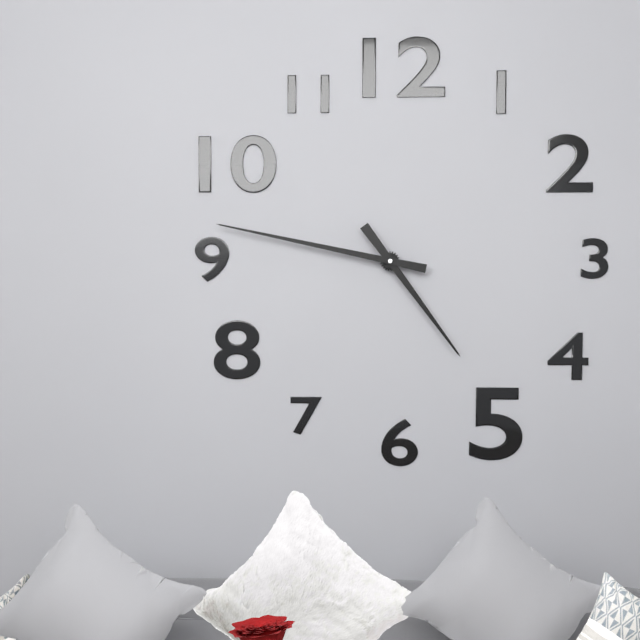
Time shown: 4:47
